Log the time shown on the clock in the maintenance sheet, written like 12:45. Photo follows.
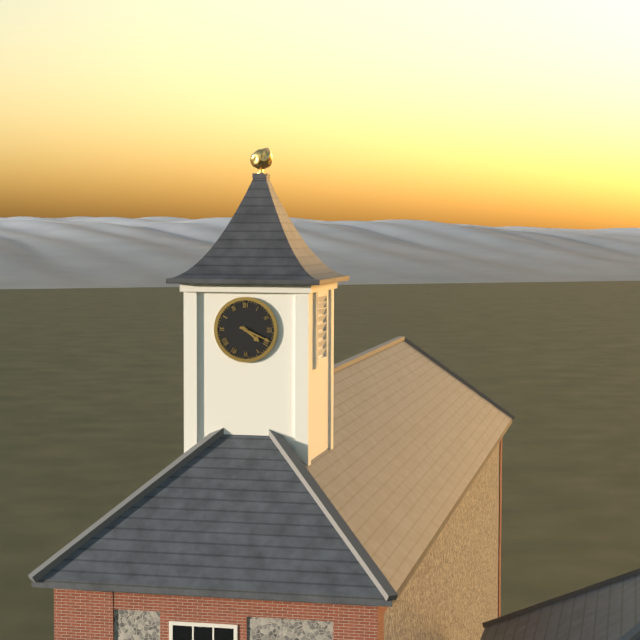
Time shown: 4:19
